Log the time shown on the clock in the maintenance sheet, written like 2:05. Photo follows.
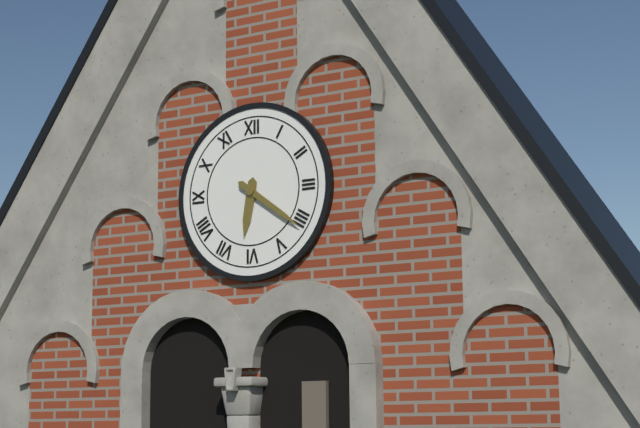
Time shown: 6:21
